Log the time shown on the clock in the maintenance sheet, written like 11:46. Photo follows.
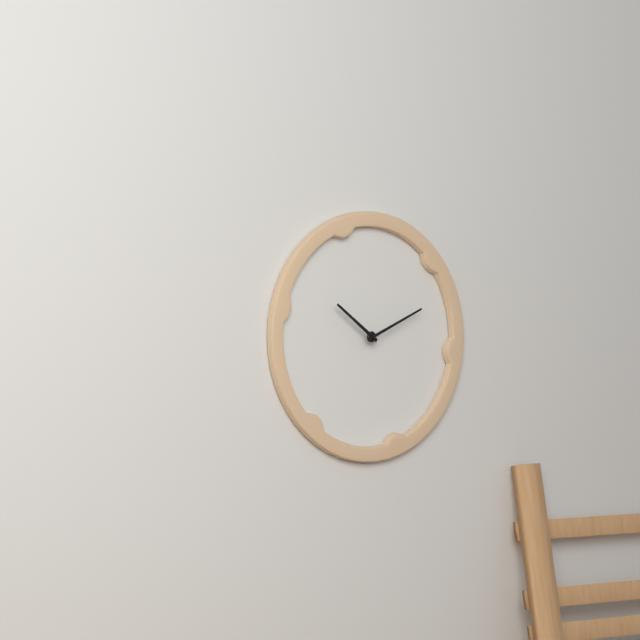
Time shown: 10:11
